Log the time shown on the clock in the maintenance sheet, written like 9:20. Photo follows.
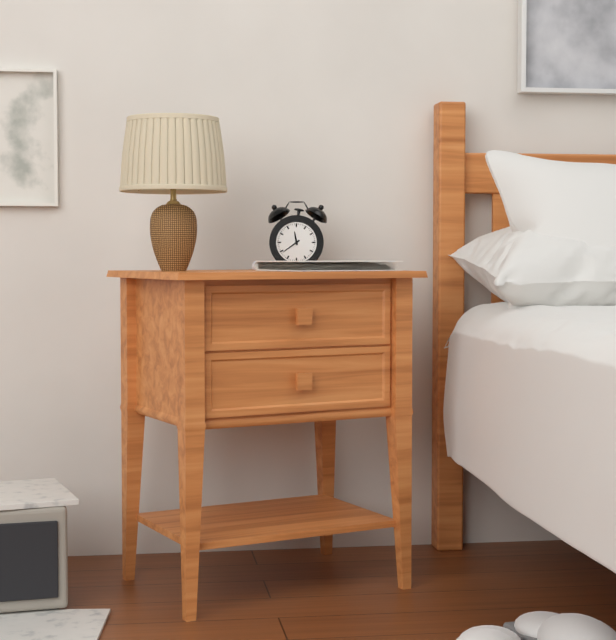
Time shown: 11:39
